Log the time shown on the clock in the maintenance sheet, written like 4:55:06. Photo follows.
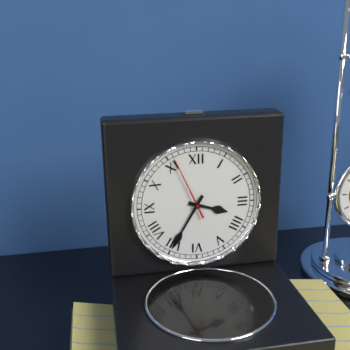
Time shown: 3:35:56
